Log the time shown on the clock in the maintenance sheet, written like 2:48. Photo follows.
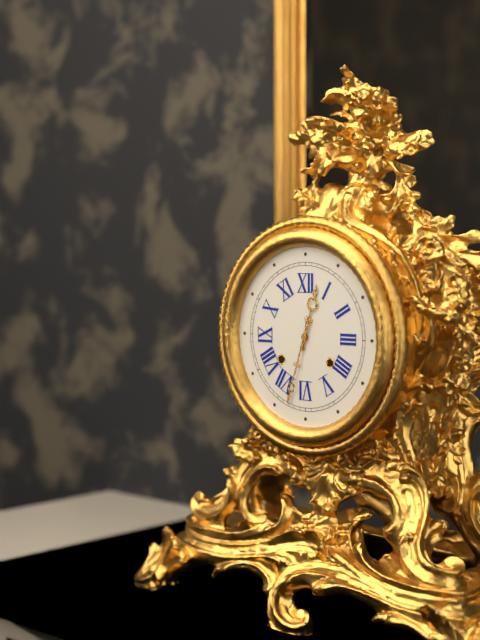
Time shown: 12:33
